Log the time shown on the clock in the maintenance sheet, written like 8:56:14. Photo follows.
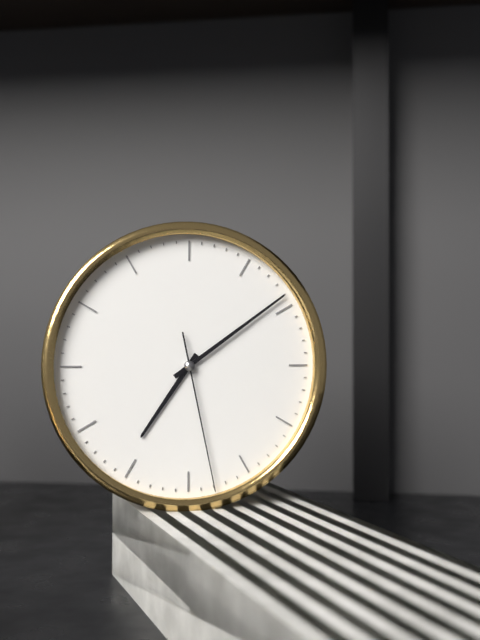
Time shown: 7:09:28
